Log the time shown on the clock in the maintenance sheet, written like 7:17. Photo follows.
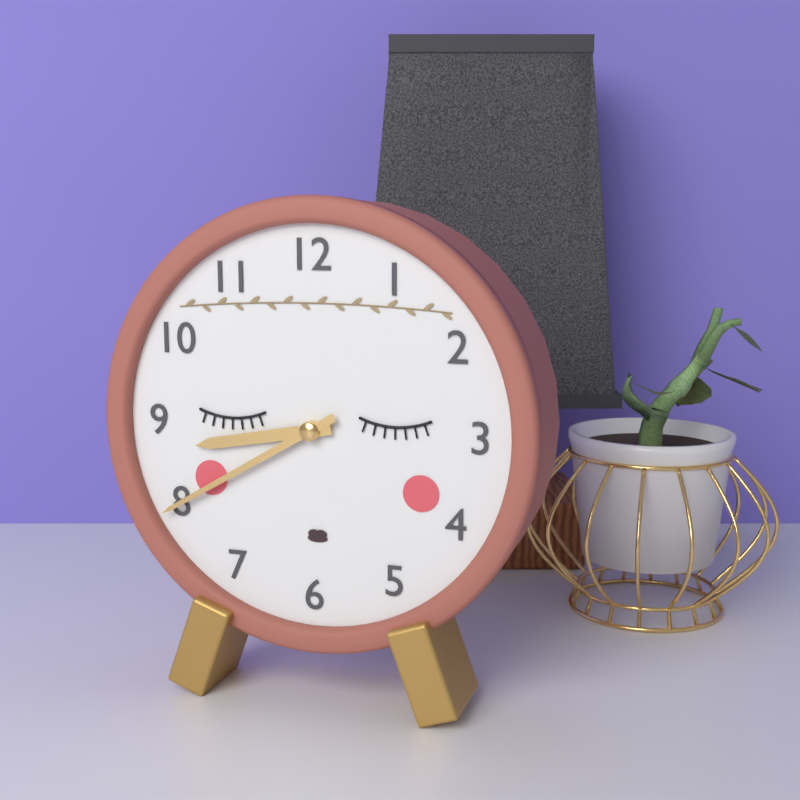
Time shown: 8:40
